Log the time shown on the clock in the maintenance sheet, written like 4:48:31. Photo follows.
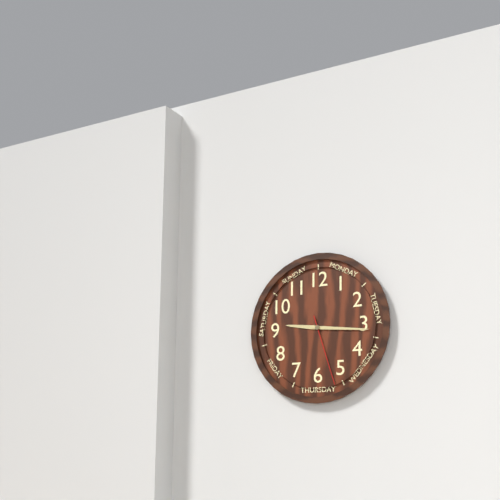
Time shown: 9:16:27
